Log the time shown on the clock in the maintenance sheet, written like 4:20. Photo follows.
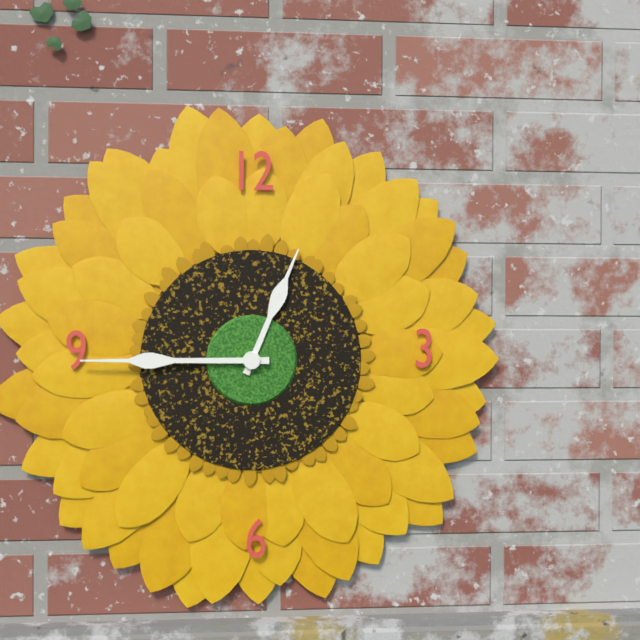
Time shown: 12:45
